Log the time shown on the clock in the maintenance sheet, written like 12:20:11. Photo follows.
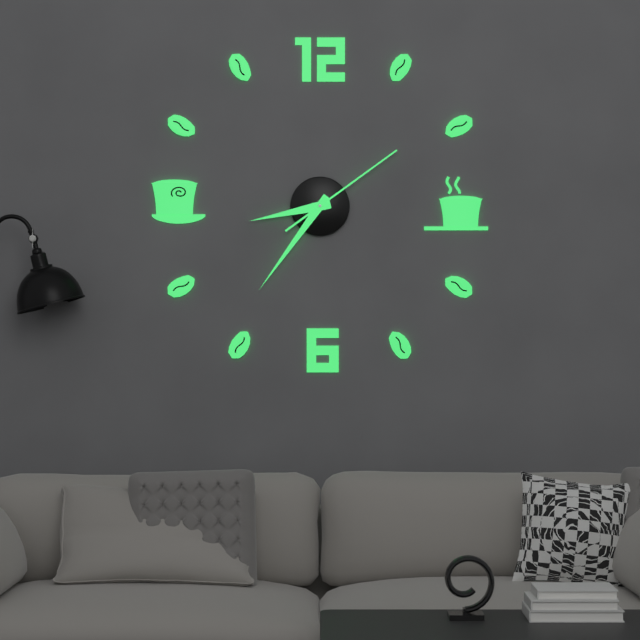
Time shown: 8:36:09
